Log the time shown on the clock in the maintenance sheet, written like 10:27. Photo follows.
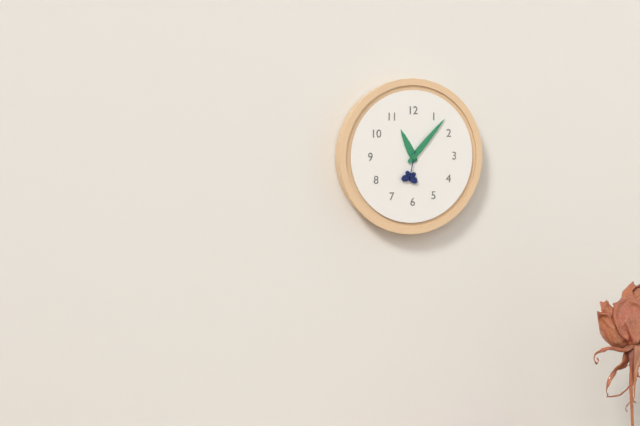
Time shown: 11:07
